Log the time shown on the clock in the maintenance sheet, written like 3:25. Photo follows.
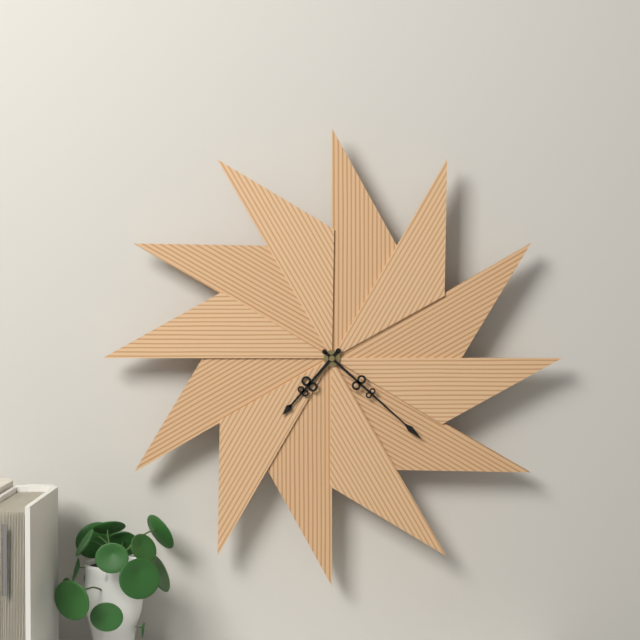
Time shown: 7:22
